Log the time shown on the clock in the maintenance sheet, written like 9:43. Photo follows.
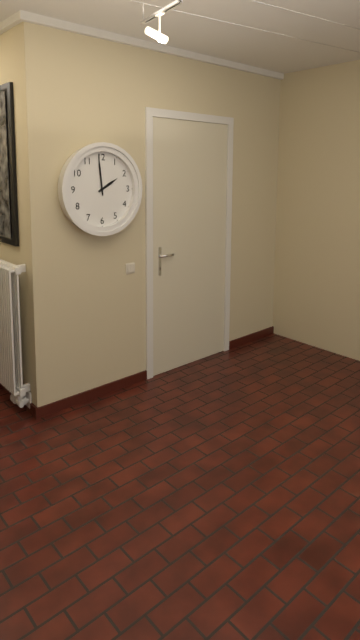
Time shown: 1:59
